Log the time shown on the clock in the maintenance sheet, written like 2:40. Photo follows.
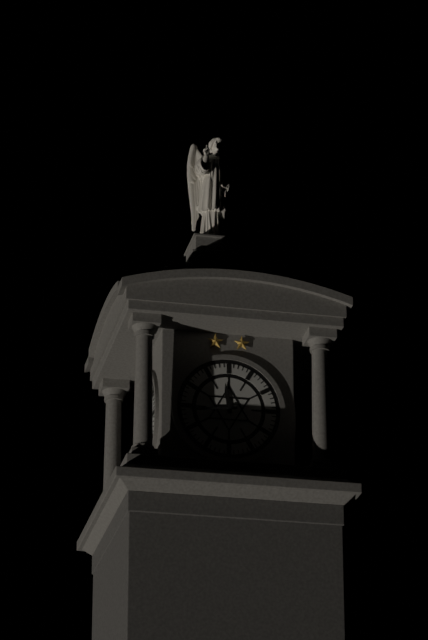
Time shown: 11:44
